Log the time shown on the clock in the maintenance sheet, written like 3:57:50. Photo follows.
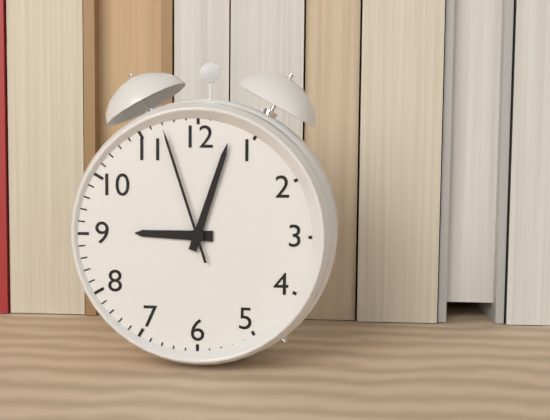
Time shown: 9:03:57
